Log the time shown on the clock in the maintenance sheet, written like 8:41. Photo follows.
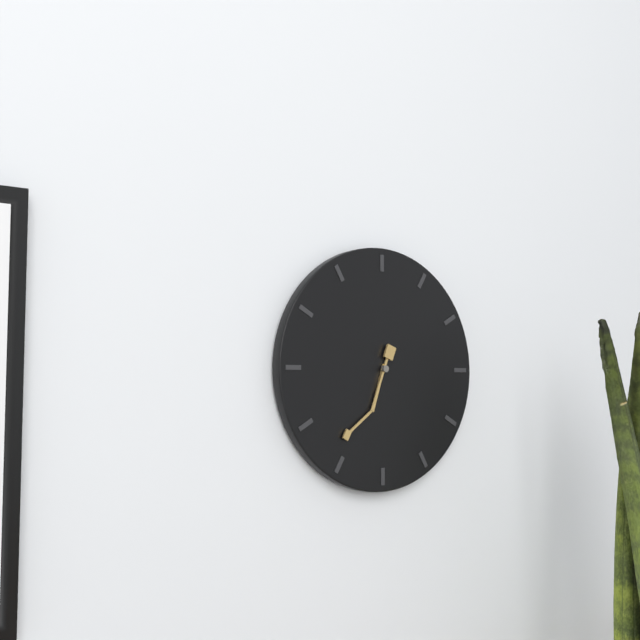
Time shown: 6:36
